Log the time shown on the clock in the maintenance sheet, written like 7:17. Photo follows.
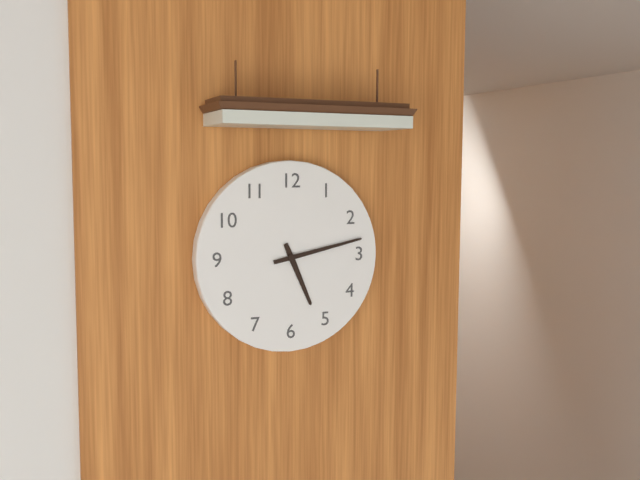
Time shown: 5:13
